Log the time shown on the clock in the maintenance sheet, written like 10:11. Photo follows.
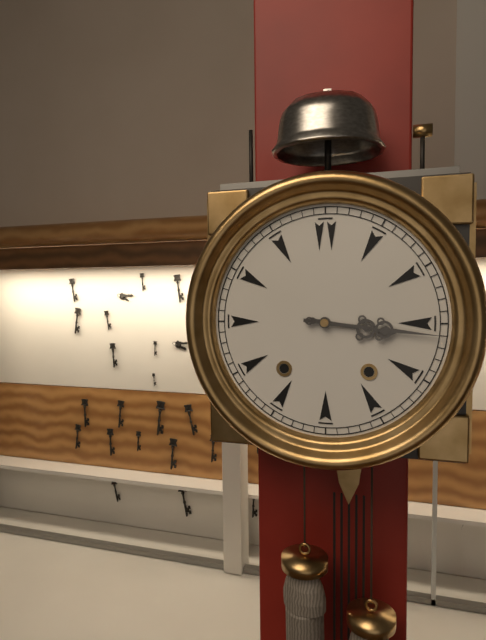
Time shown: 3:16
